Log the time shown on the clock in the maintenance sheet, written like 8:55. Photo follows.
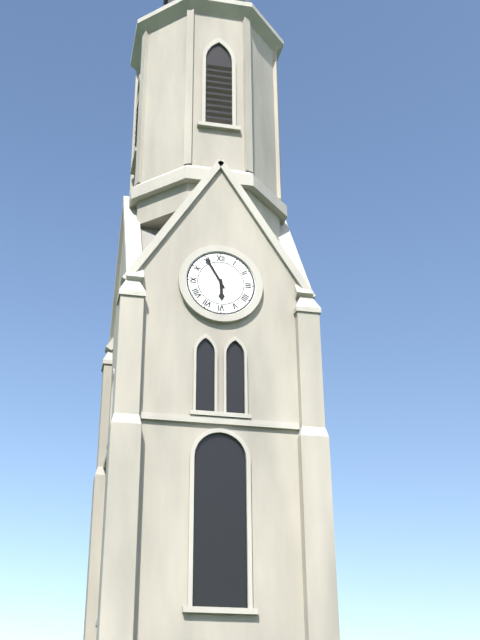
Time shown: 5:55
